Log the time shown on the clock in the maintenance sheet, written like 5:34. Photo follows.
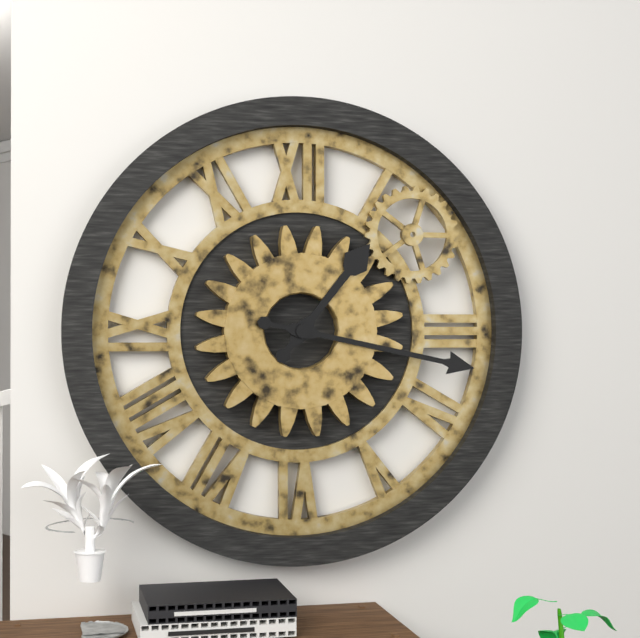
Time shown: 1:17
